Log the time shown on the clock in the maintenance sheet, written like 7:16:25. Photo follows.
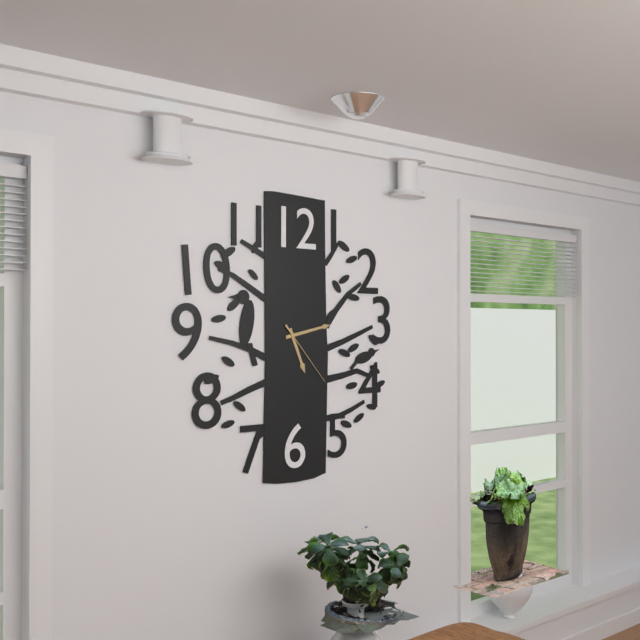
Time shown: 5:13:23
